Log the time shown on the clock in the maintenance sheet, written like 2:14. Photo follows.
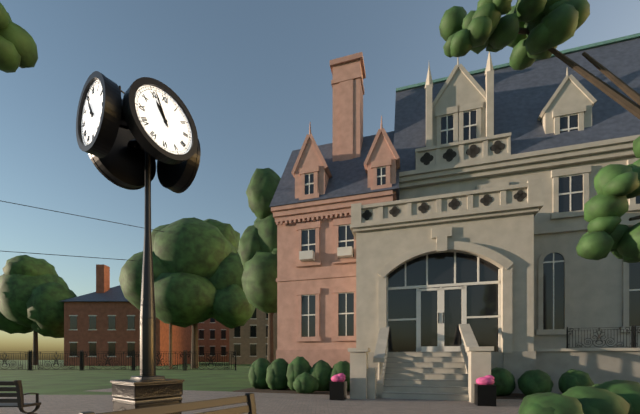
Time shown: 10:56
